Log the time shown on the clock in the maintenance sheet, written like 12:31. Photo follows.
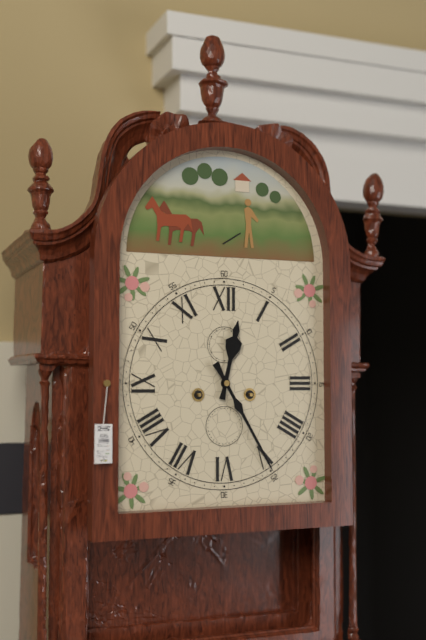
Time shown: 12:25
